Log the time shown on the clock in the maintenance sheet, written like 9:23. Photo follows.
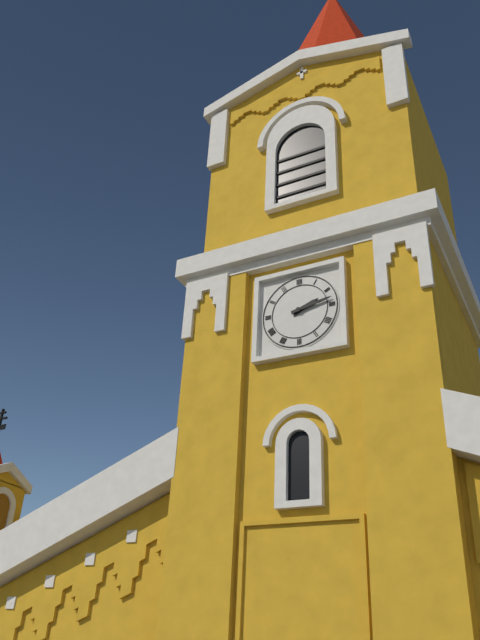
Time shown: 2:13
